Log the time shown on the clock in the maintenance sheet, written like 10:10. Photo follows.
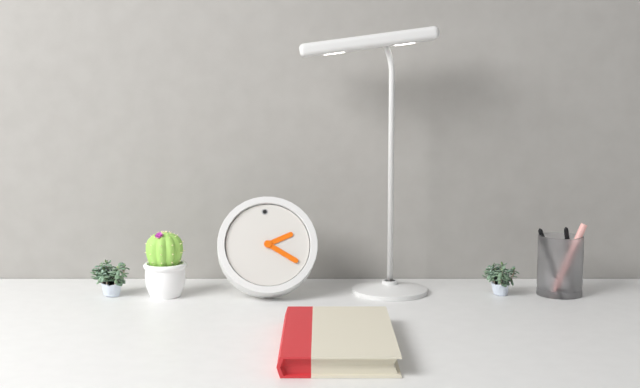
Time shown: 2:21
